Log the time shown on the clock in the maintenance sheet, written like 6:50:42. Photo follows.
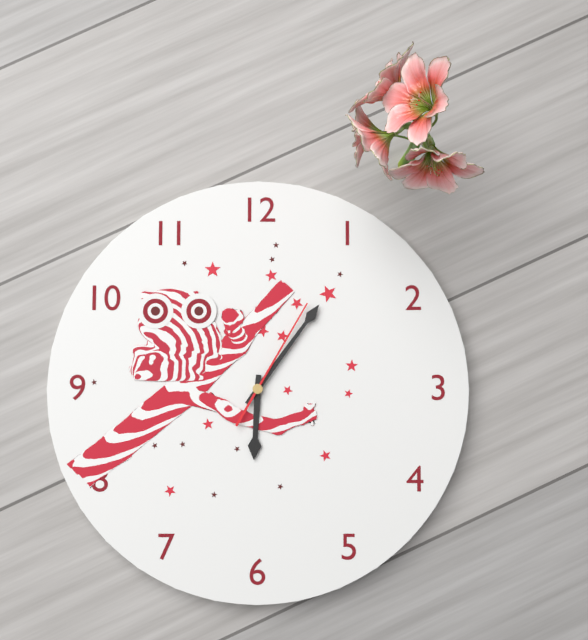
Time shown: 6:06:05
